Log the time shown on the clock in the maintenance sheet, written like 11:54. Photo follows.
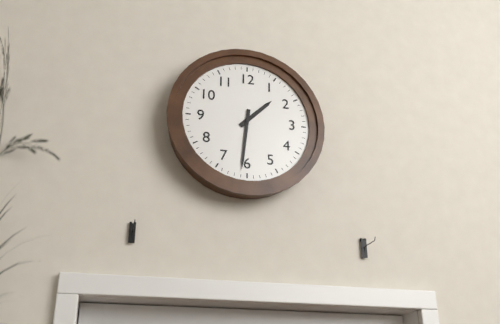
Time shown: 1:31
